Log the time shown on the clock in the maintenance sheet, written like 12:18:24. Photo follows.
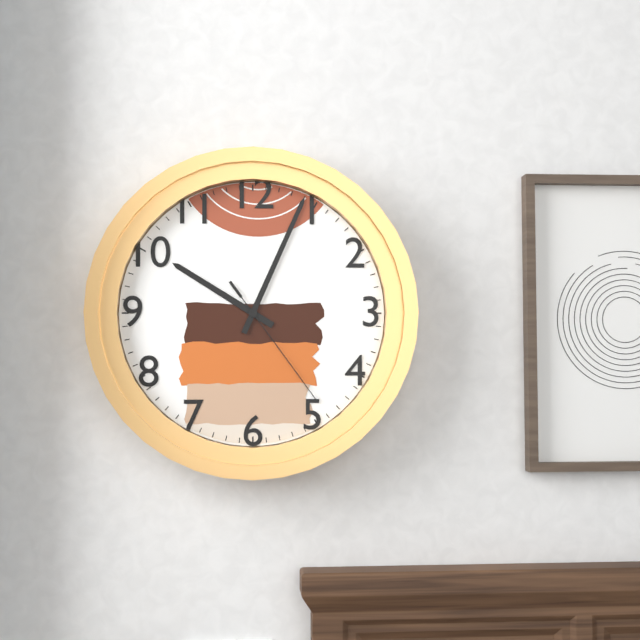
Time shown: 10:04:24
